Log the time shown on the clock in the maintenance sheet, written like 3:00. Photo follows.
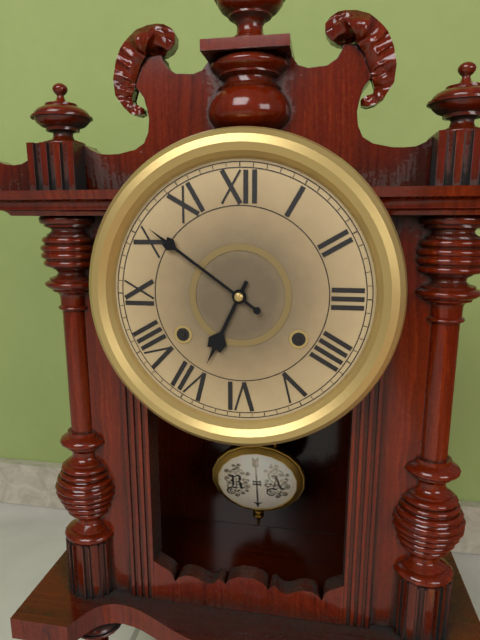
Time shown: 6:51
